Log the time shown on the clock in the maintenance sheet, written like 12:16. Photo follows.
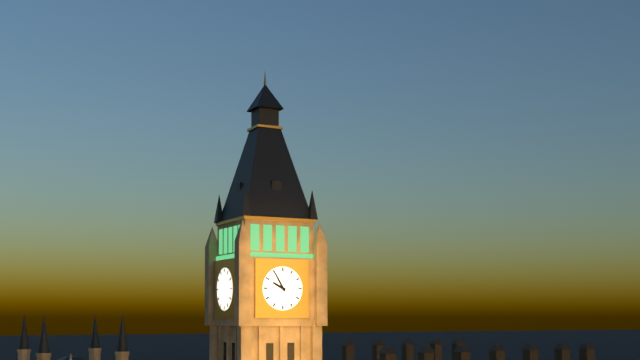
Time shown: 9:55
